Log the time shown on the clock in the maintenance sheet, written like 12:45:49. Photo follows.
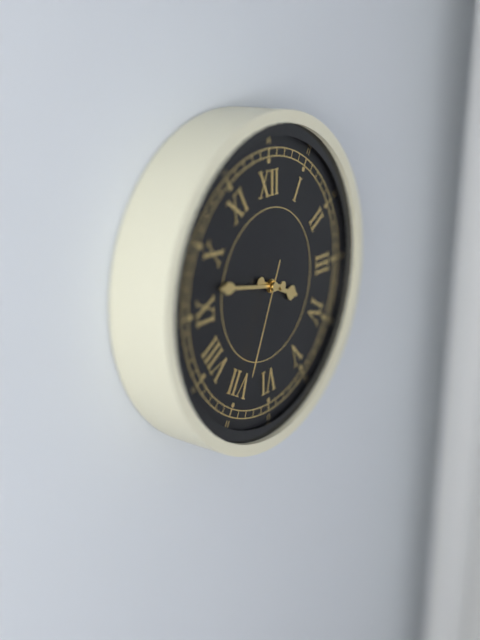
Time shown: 3:47:34
